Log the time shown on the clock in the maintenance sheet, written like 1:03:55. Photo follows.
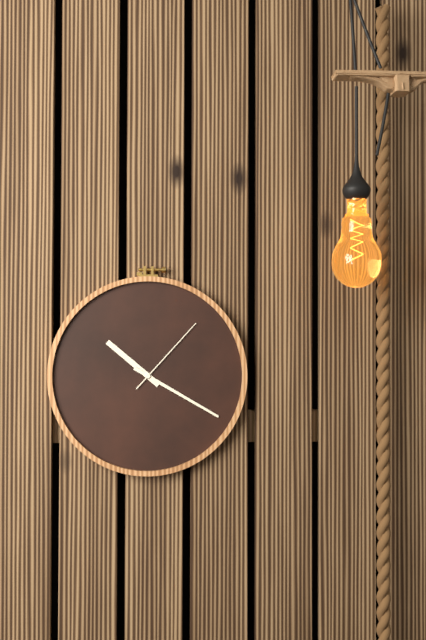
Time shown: 10:20:07
